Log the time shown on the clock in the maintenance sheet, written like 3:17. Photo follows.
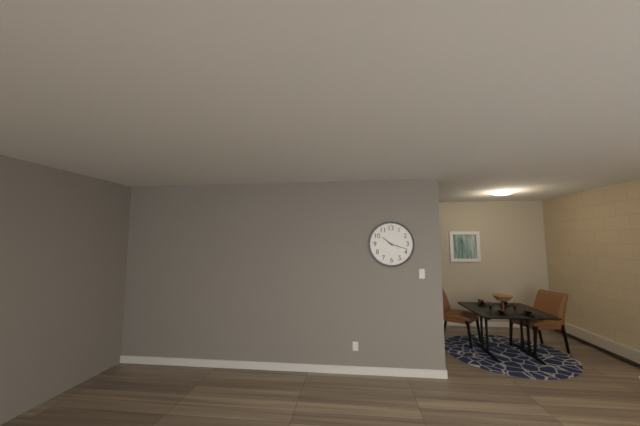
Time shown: 10:18
